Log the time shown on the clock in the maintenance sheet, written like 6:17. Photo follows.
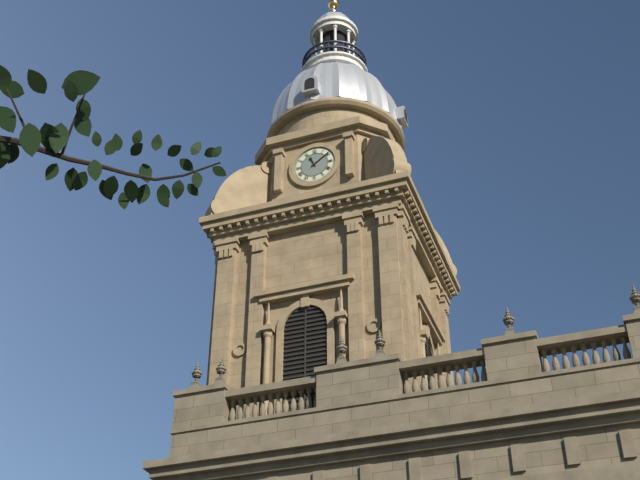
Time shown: 11:09
